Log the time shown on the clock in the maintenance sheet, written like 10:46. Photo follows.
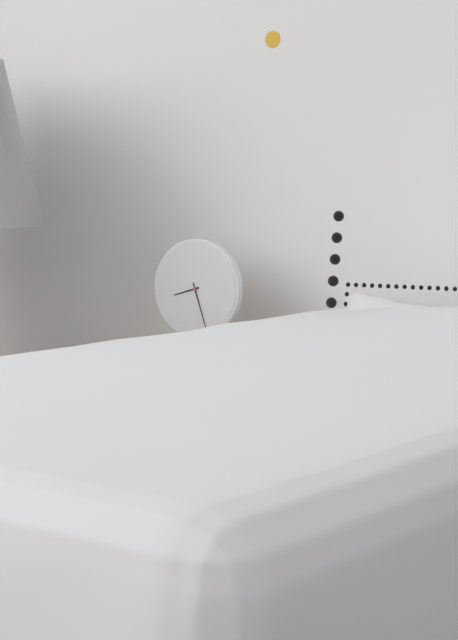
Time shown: 8:27
